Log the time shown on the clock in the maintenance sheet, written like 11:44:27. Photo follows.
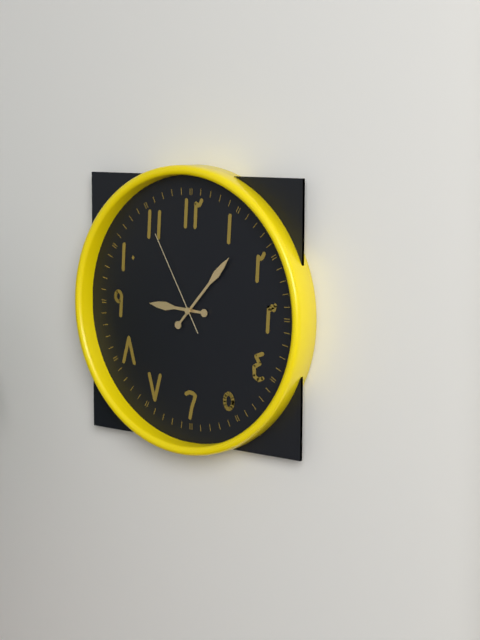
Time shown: 9:07:55
